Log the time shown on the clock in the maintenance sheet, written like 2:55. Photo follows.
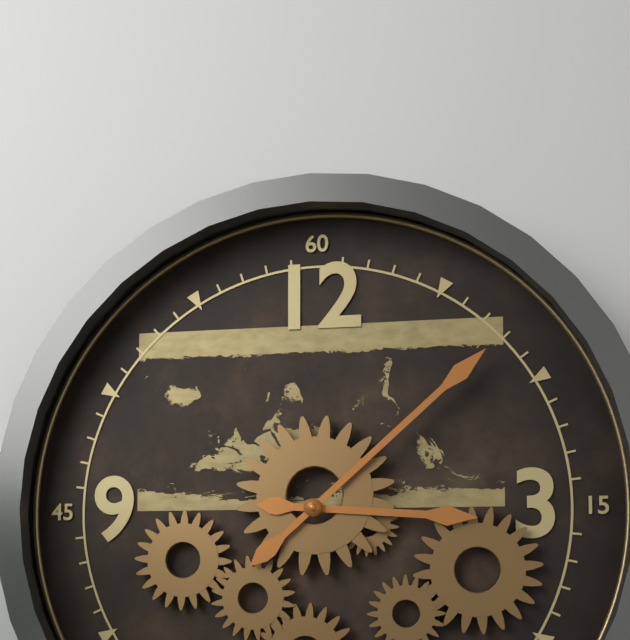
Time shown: 3:08
